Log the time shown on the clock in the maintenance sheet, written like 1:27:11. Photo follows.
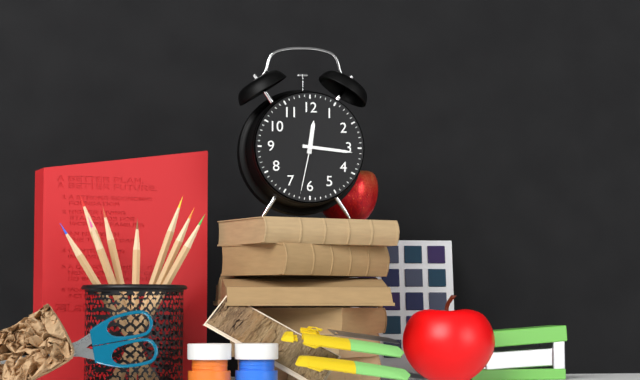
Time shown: 12:16:32
